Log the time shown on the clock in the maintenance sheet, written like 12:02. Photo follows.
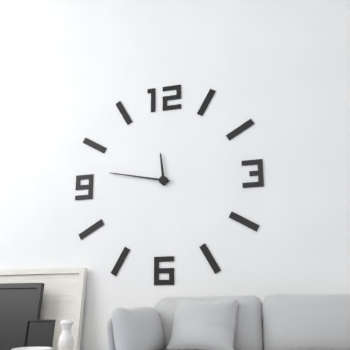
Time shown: 11:47
